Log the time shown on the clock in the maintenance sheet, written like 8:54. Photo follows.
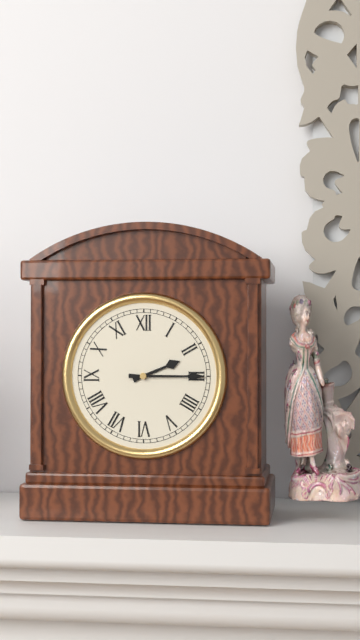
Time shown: 2:15
